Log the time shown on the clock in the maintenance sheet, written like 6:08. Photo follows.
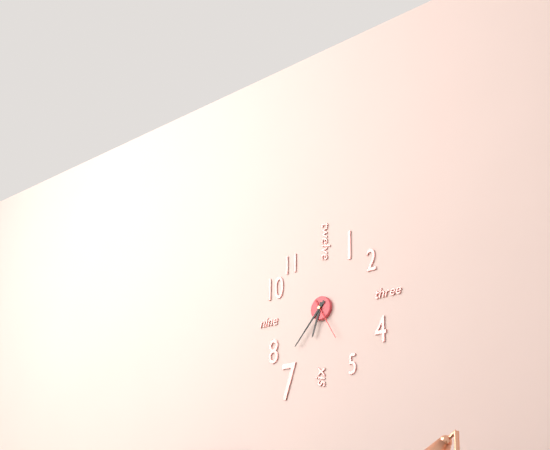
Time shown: 6:37
